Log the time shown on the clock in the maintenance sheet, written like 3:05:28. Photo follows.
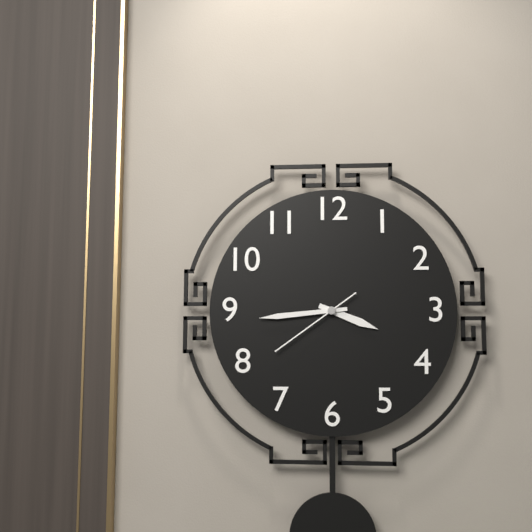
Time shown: 3:44:39
